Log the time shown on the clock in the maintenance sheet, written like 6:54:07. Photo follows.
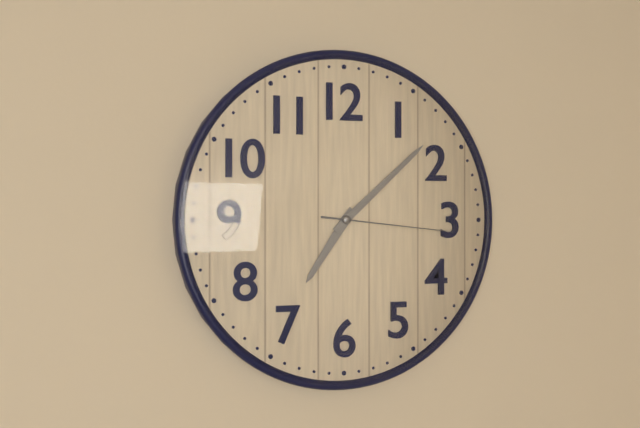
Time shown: 7:08:16
